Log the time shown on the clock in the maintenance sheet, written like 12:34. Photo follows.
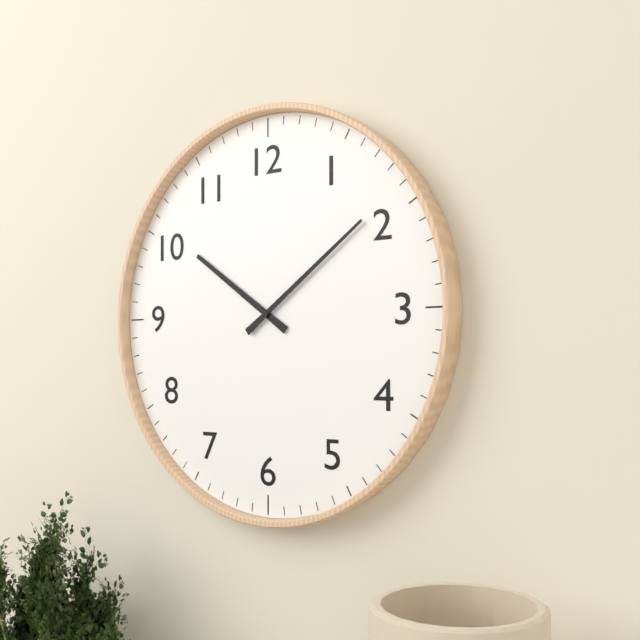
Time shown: 10:09
